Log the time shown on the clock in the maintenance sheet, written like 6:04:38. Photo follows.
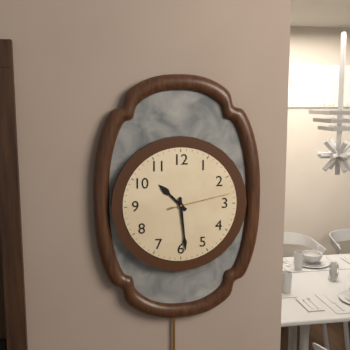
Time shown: 10:29:13
